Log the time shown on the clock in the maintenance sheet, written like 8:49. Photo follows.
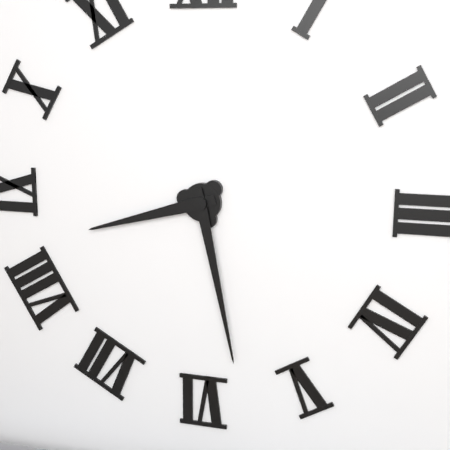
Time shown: 8:28
